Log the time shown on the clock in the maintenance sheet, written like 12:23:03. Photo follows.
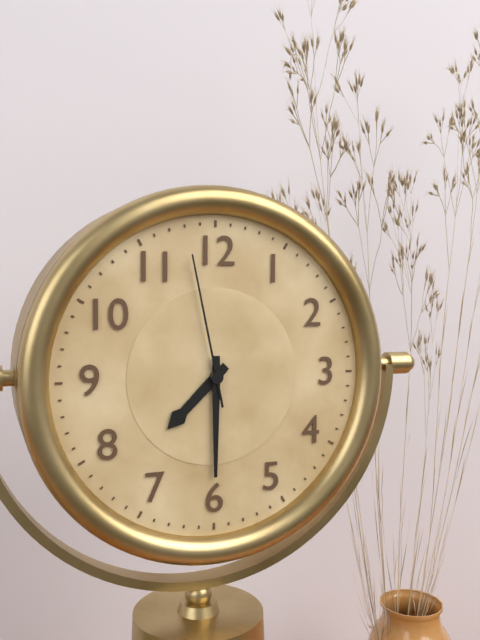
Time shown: 7:30:58
